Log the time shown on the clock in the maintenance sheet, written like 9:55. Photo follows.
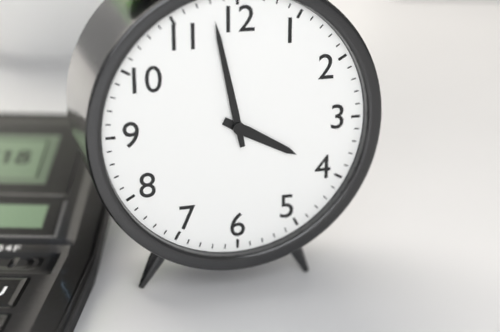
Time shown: 3:58
